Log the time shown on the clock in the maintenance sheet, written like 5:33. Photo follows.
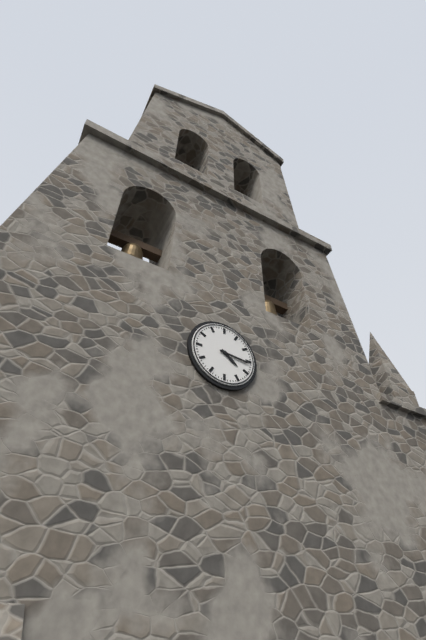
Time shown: 4:16
